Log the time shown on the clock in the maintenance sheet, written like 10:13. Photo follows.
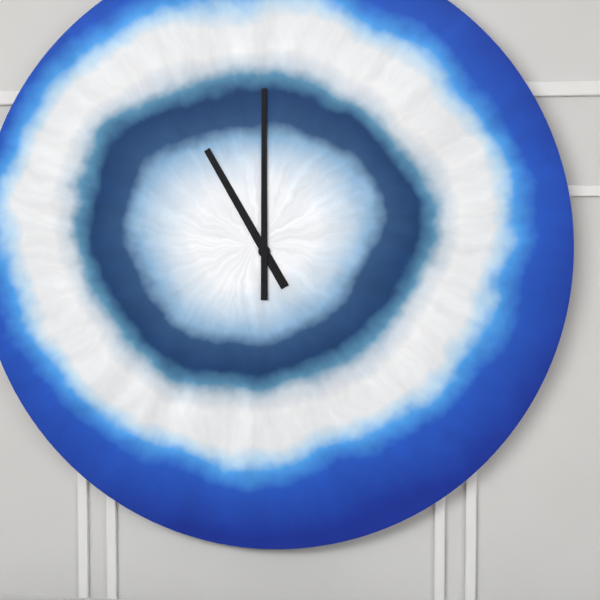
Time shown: 11:00
